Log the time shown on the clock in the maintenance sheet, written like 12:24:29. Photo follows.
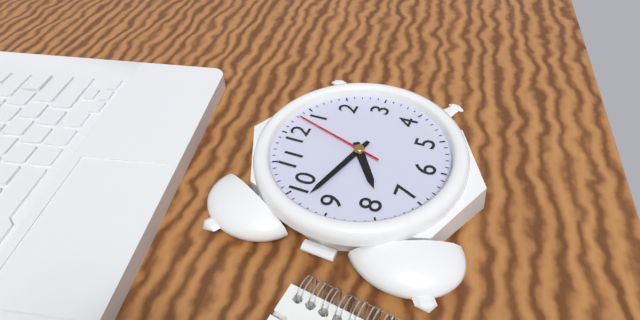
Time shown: 7:48:03
